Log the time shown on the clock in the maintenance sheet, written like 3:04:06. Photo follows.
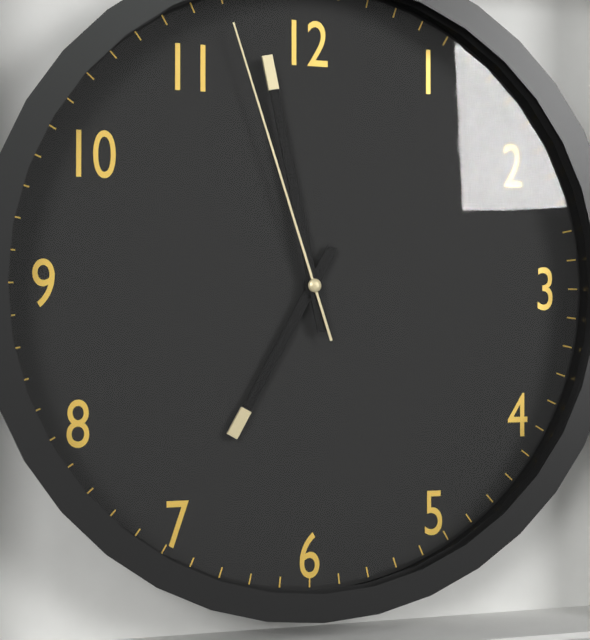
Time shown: 6:58:57
